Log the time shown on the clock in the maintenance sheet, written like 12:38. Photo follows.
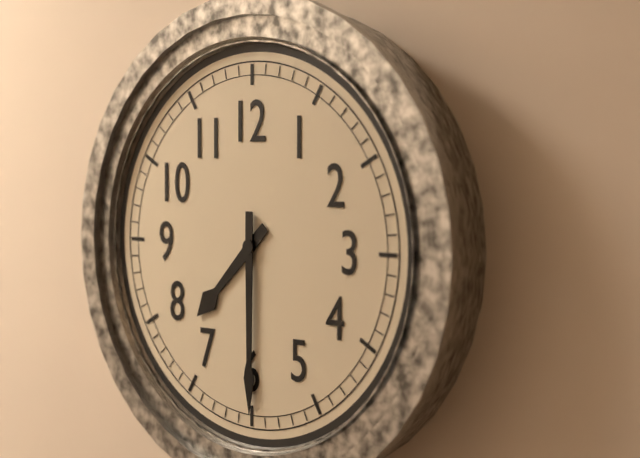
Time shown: 7:30
